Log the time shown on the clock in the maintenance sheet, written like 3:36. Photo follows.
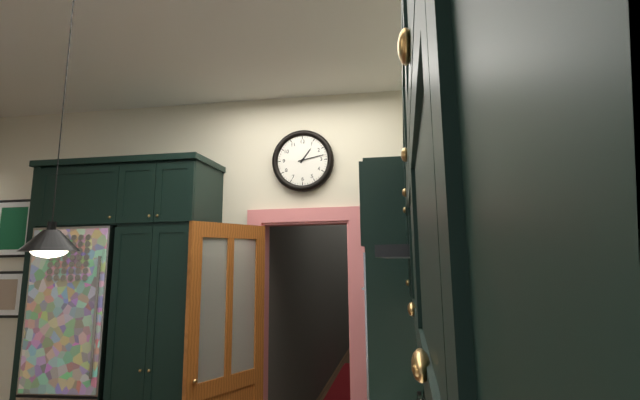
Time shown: 1:13
